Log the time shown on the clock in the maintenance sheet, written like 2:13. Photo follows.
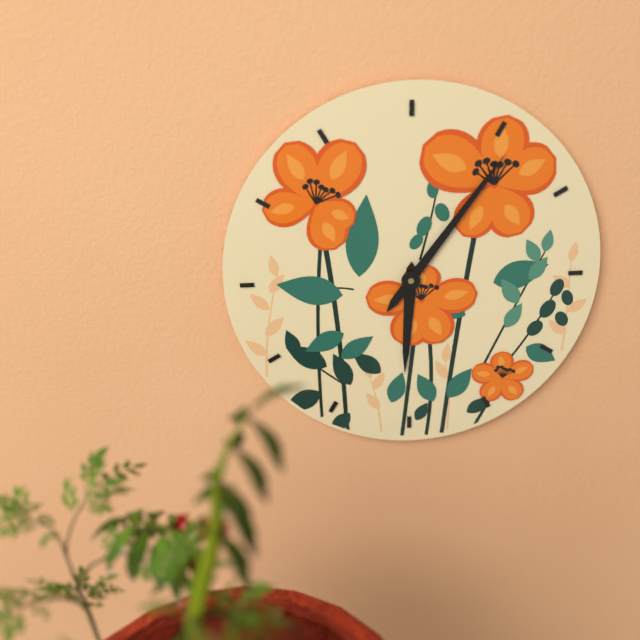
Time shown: 6:06
